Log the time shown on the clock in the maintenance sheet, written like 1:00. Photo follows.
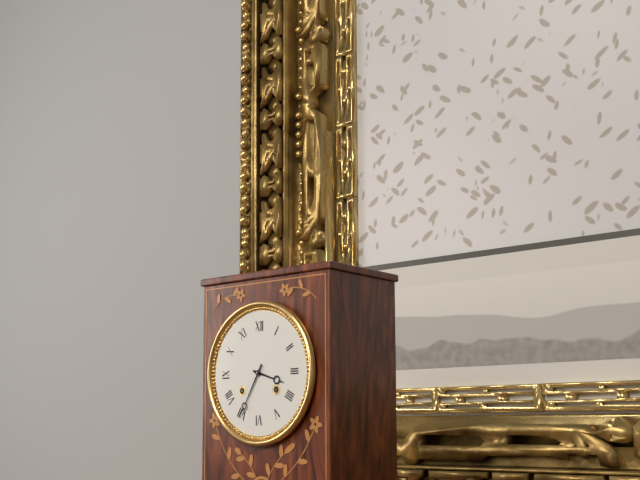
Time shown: 3:35
